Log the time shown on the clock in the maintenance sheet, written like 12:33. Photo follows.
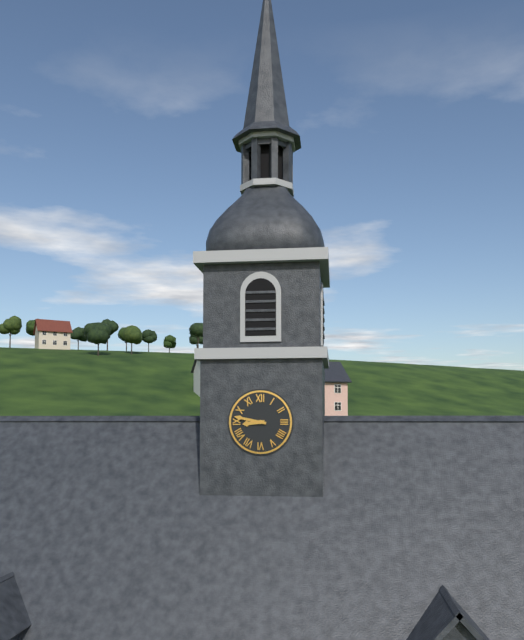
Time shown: 8:47
